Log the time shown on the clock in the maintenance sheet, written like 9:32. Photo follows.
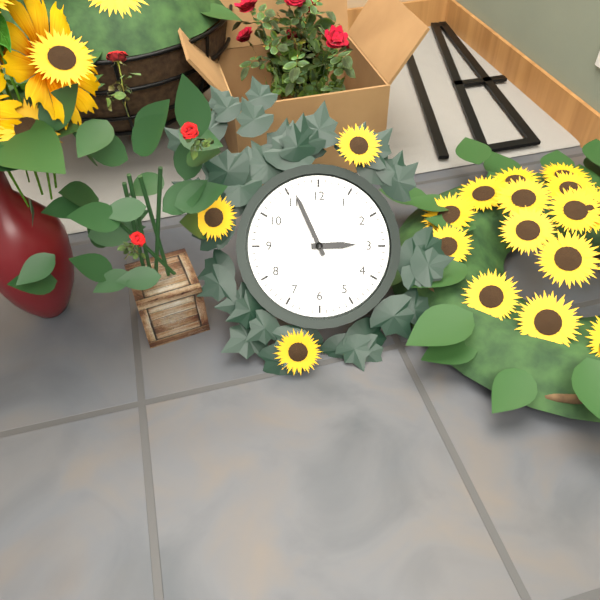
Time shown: 2:56
